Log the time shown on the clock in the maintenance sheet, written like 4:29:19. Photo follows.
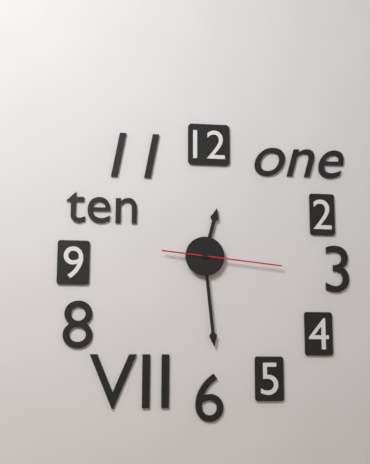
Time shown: 12:29:16
